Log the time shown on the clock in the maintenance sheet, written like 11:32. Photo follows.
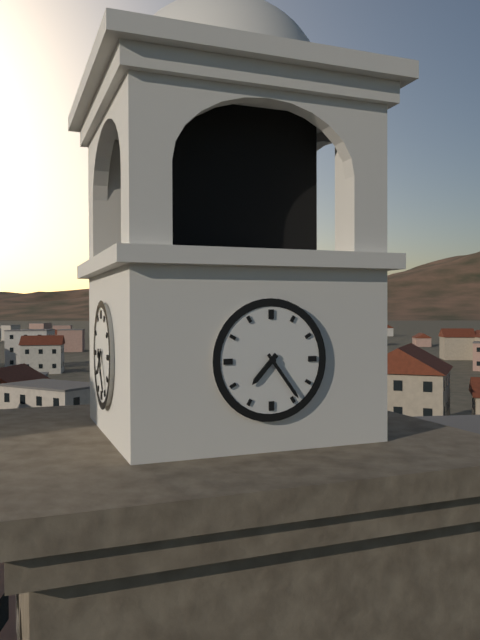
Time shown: 7:24
